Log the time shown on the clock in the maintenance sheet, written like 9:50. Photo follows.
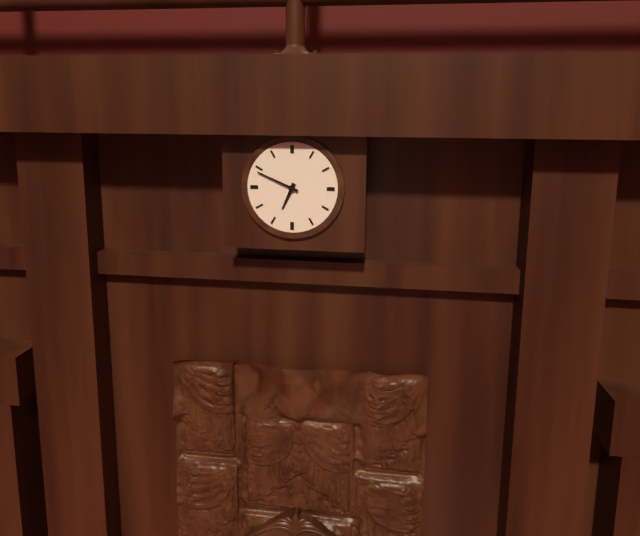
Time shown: 6:49
